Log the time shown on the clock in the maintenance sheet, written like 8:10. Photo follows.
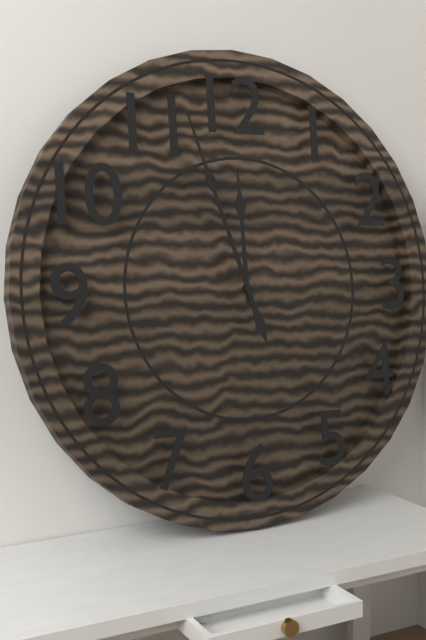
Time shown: 11:57
